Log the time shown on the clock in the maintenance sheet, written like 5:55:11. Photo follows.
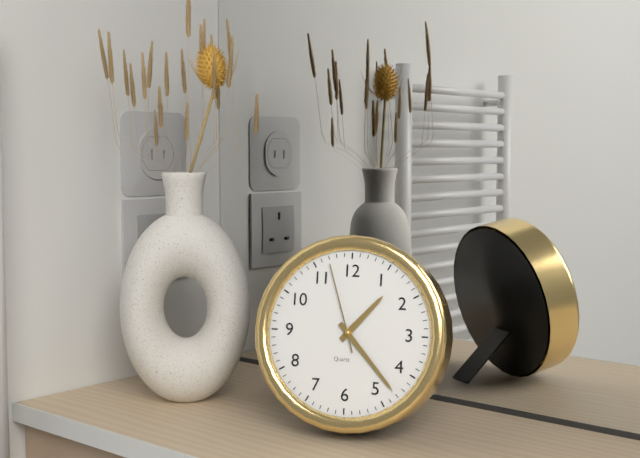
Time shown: 1:23:57
